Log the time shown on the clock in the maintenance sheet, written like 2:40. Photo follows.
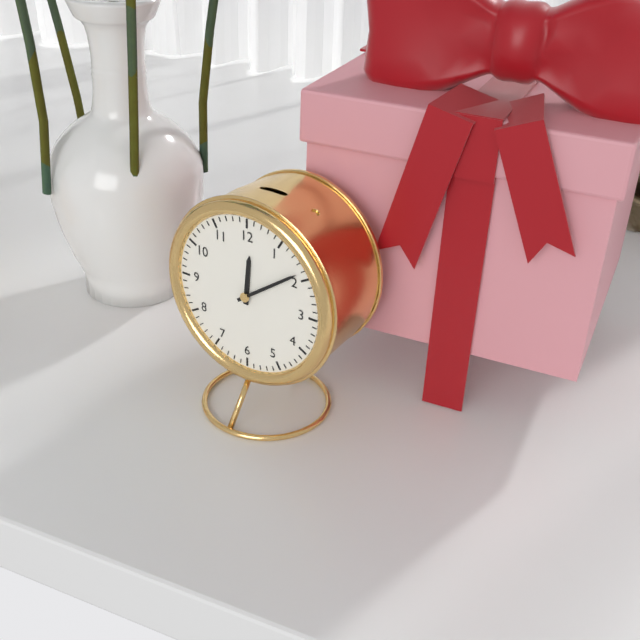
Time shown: 12:09
